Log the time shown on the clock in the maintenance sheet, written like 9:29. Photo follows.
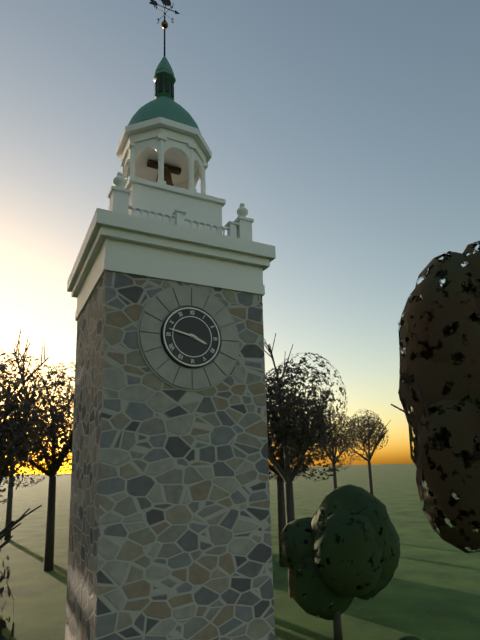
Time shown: 3:47
